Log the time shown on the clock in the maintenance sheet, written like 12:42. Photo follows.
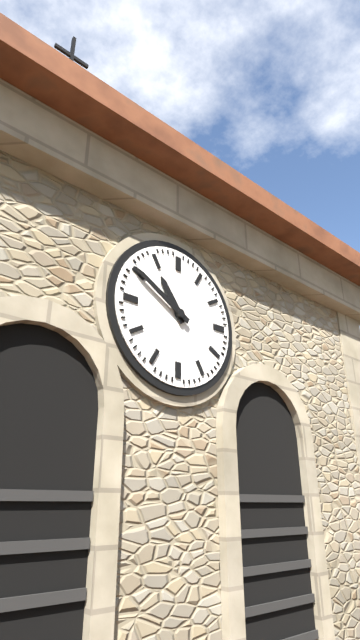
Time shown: 10:50
